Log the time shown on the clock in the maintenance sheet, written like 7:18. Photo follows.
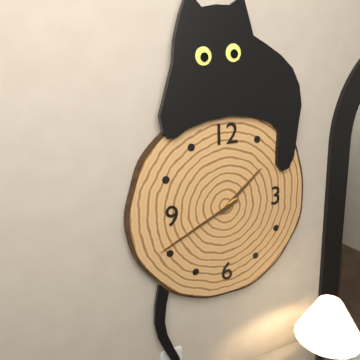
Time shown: 1:41
